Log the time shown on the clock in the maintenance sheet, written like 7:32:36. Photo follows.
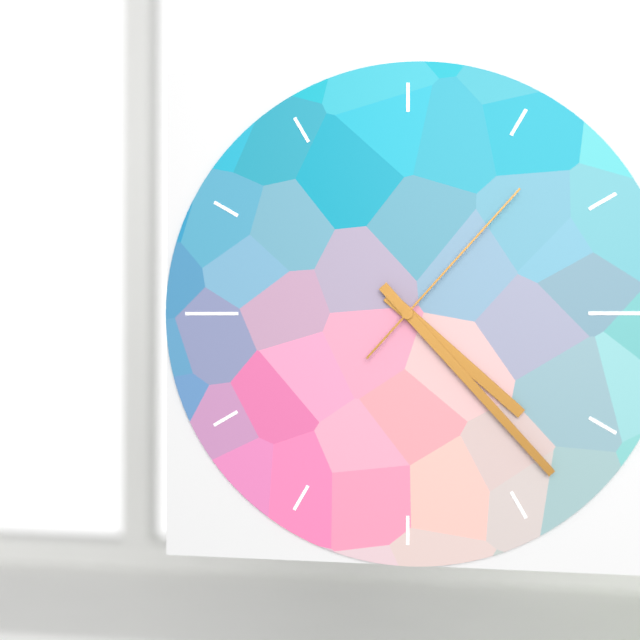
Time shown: 4:23:07
